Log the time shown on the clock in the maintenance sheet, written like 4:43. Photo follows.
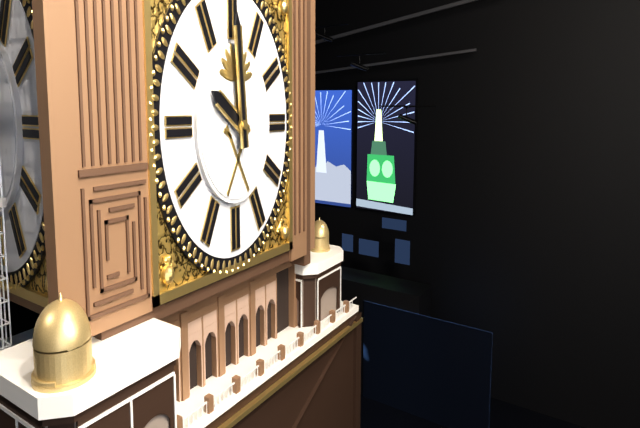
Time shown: 9:59
